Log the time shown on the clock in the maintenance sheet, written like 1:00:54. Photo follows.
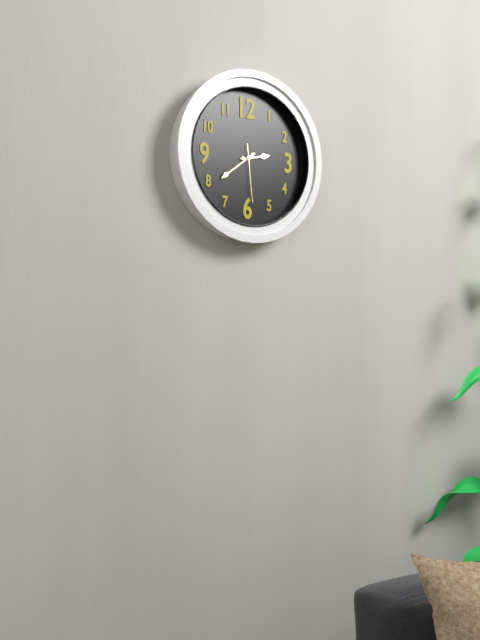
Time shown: 2:39:29
